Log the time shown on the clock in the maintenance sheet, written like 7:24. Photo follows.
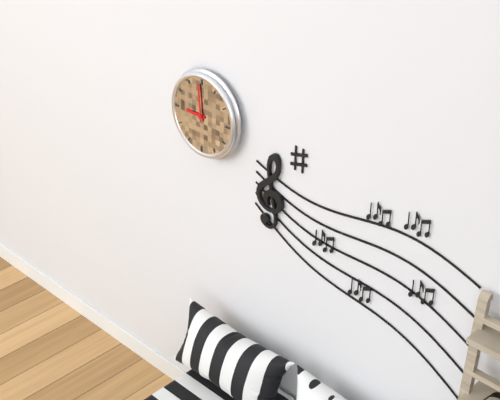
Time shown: 8:59
